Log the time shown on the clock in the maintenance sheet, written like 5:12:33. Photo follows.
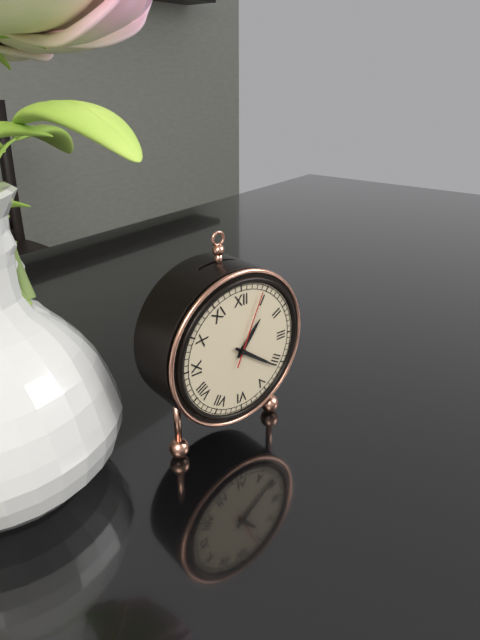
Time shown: 1:21:04
